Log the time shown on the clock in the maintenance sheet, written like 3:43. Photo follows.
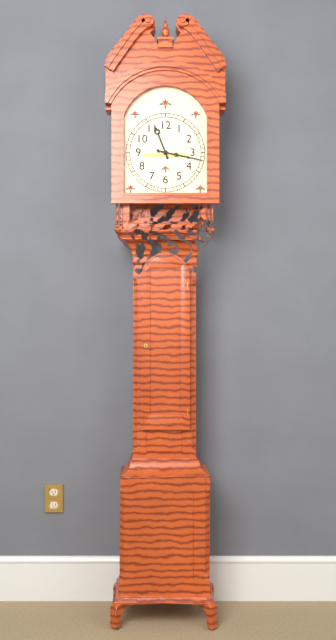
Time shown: 11:17
